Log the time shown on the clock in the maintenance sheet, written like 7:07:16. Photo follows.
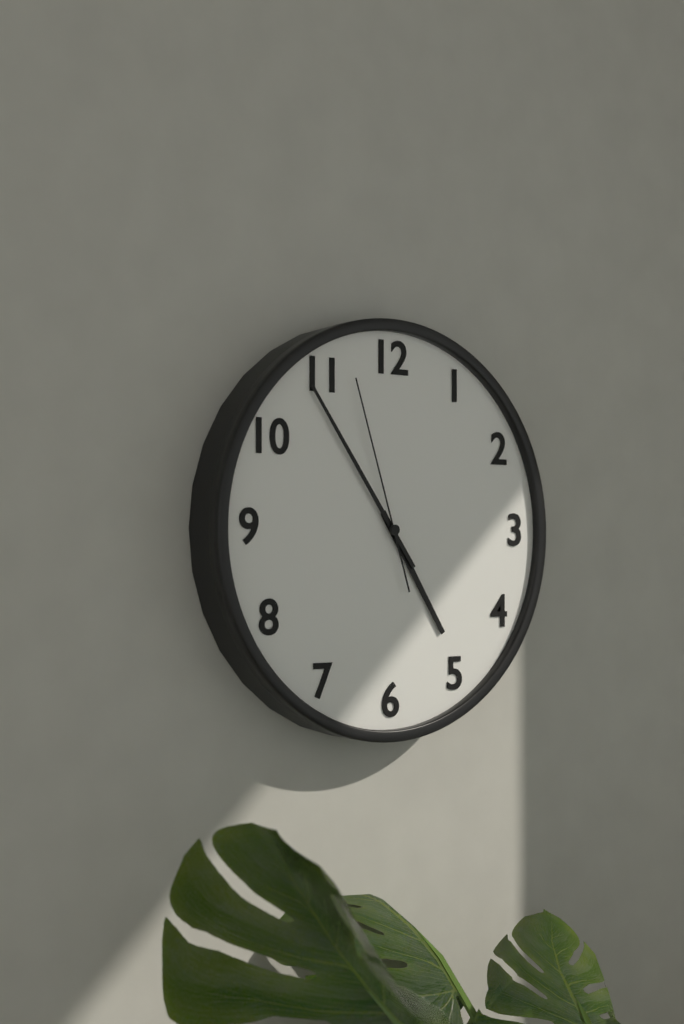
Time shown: 4:54:57
